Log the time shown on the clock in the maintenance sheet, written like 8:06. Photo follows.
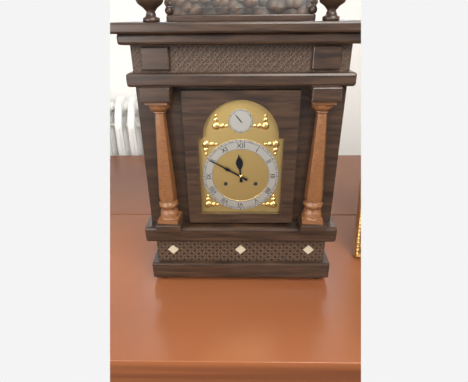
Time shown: 11:50
